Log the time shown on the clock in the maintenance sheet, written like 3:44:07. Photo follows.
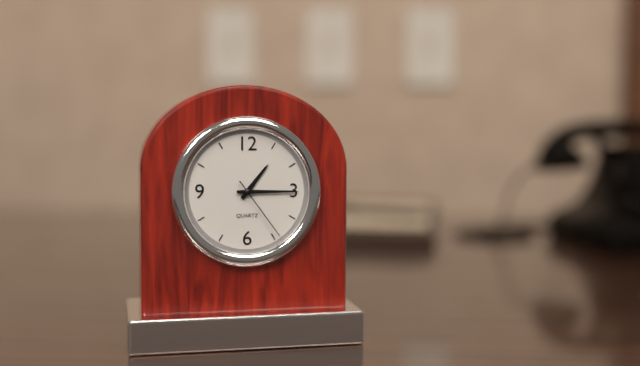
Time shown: 1:15:24
